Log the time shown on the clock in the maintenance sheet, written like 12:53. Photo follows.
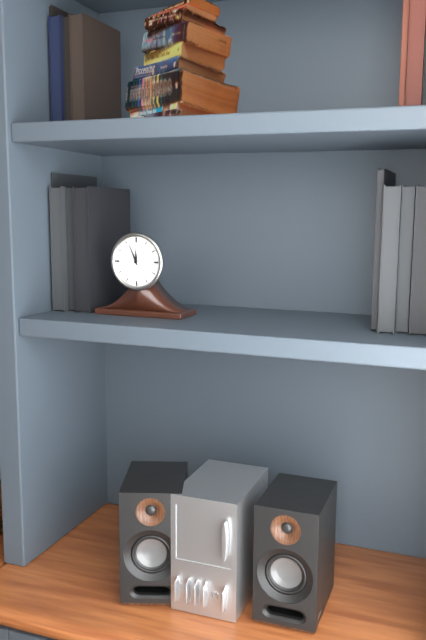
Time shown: 11:56
